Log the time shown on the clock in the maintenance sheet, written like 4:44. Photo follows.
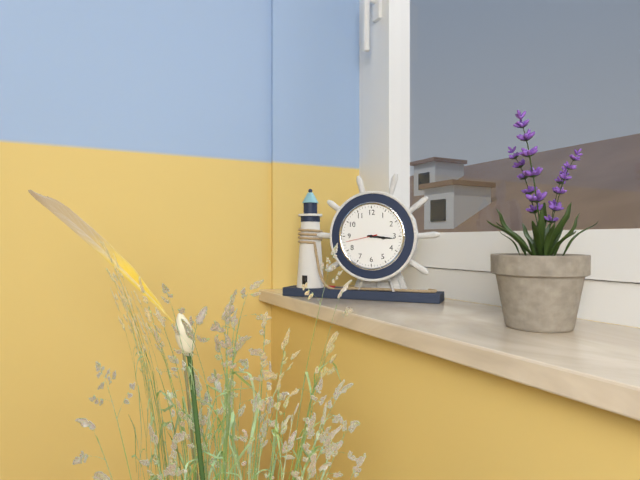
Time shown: 3:16
